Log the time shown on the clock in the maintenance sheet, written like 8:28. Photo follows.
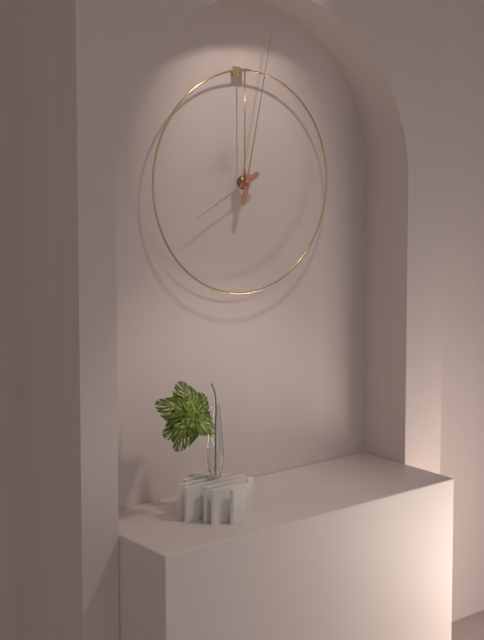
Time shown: 8:02
